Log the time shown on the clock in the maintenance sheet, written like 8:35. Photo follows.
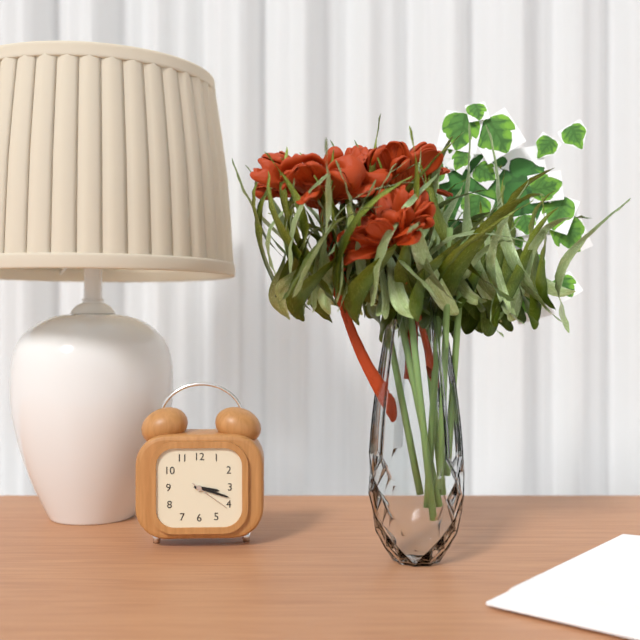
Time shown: 3:18
